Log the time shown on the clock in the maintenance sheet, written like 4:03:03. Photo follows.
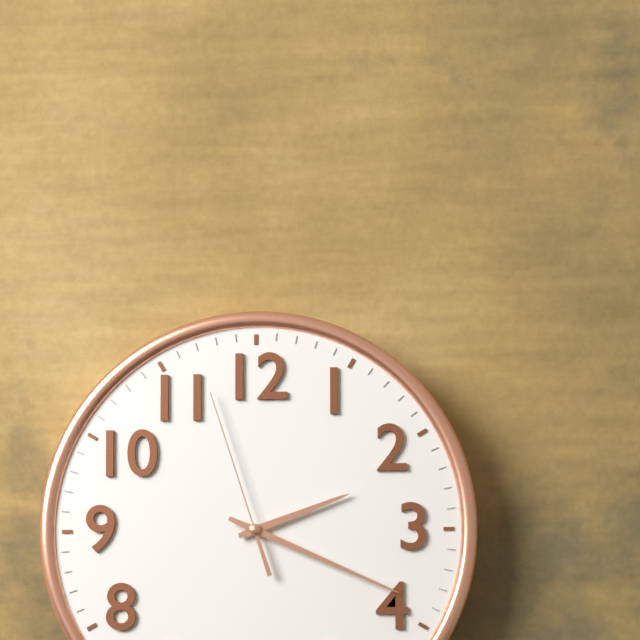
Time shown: 2:19:57
